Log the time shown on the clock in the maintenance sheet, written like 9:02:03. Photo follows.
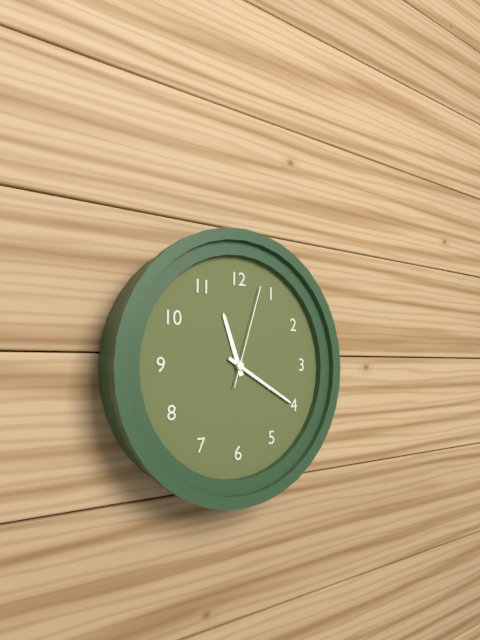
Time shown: 11:20:03
